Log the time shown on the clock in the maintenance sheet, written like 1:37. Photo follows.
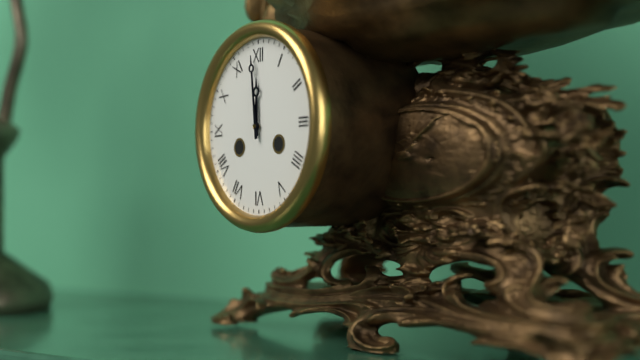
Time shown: 11:59
